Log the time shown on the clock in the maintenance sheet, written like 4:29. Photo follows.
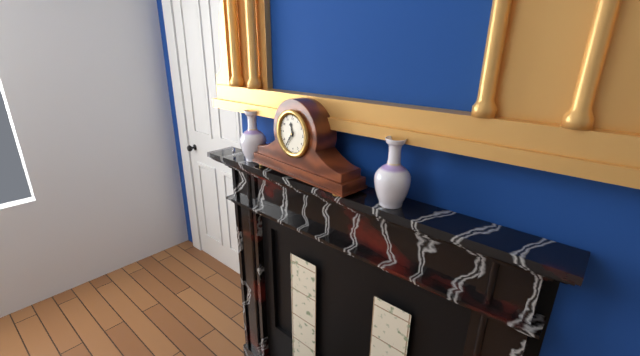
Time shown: 11:36
